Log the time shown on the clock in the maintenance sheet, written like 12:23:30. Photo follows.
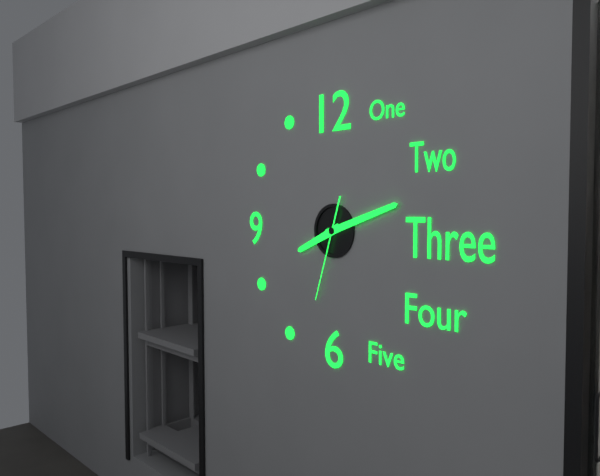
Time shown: 8:12:33
